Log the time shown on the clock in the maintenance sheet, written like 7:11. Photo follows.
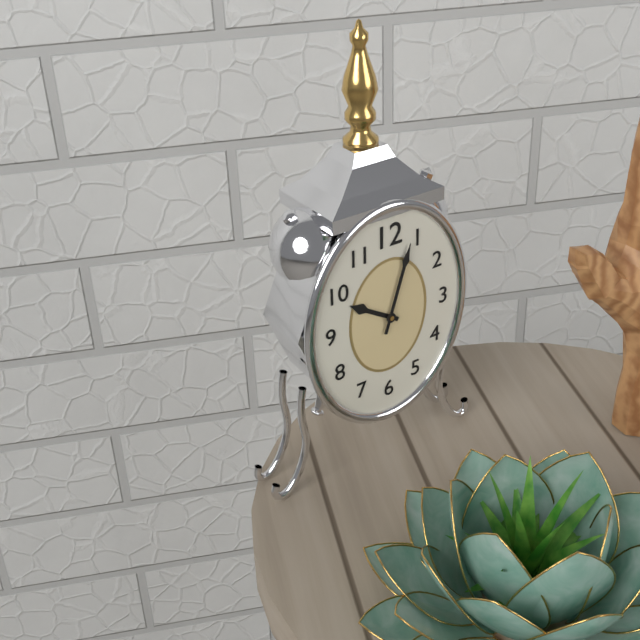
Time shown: 10:03
